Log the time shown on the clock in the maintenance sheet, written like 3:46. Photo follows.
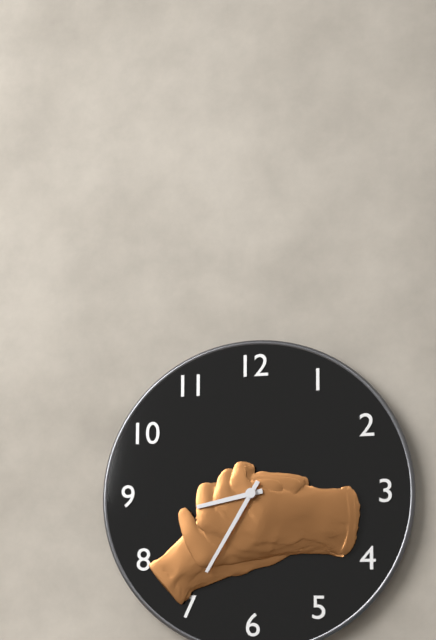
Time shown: 8:35
